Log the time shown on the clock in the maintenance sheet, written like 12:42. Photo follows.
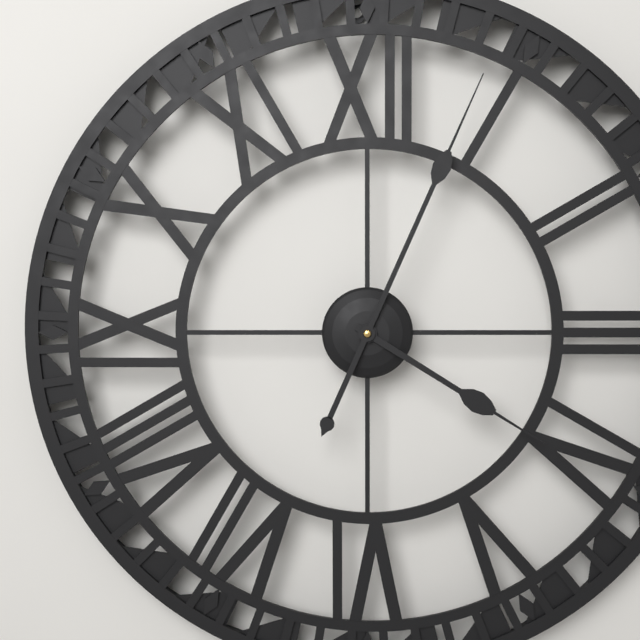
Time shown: 4:04
